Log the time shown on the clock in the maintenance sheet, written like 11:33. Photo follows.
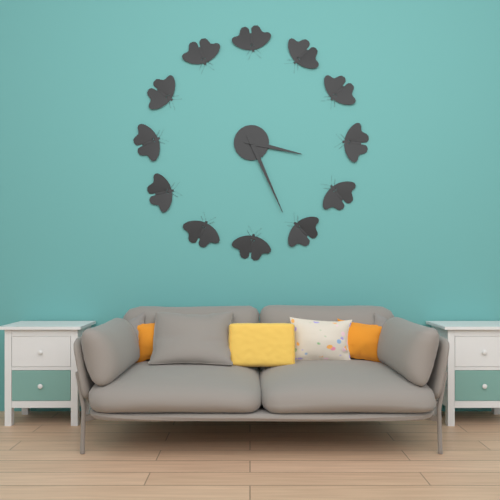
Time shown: 3:26
